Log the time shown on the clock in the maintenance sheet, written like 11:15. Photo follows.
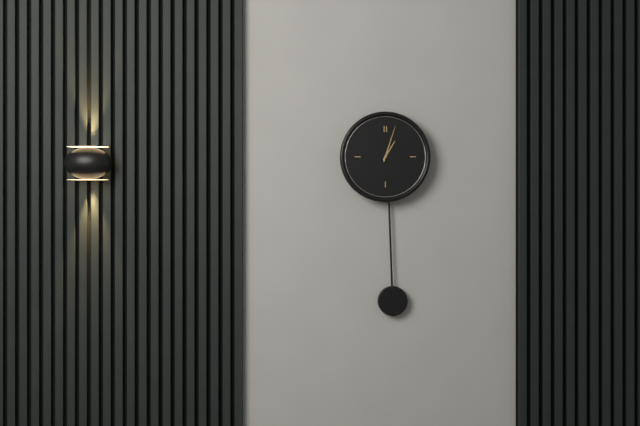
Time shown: 1:03
